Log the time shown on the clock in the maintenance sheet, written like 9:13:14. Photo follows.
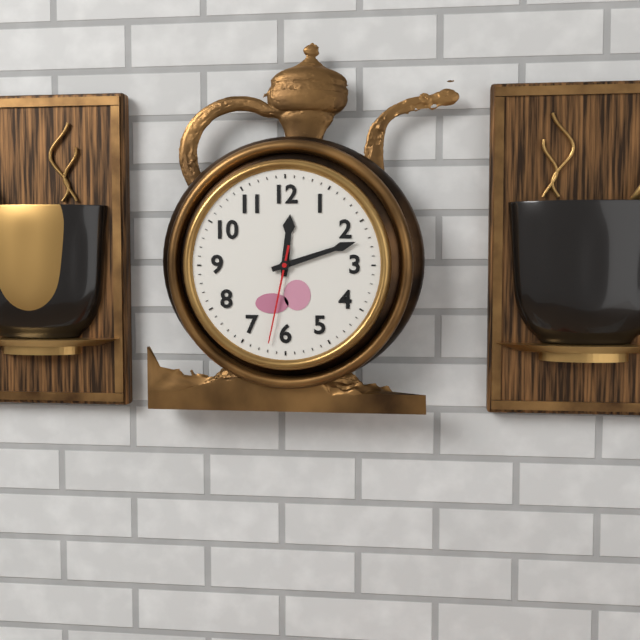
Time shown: 12:12:32
